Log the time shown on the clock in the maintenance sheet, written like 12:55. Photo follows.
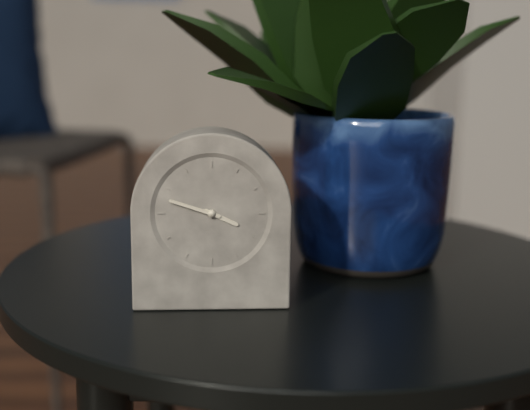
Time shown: 3:48
